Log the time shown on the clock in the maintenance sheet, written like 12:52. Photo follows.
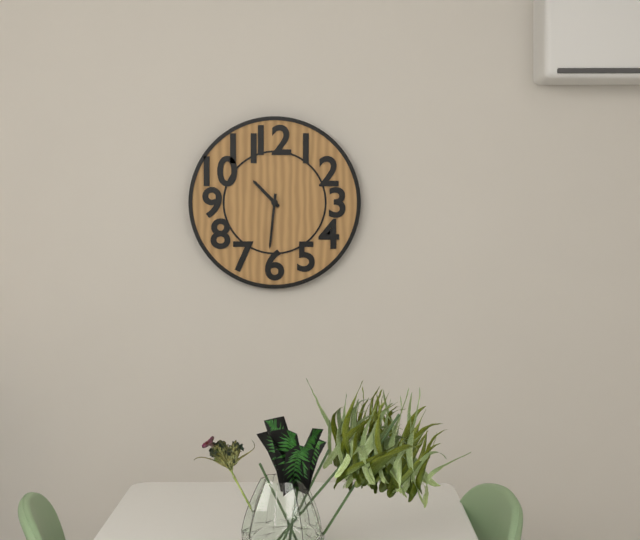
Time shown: 10:31
